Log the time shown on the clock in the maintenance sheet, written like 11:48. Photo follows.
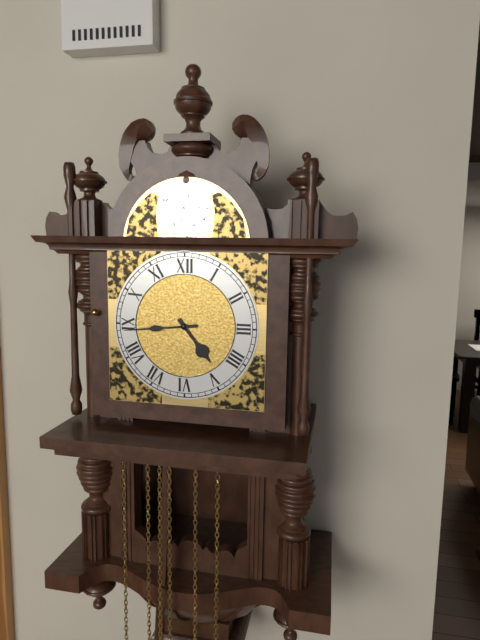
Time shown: 4:44
